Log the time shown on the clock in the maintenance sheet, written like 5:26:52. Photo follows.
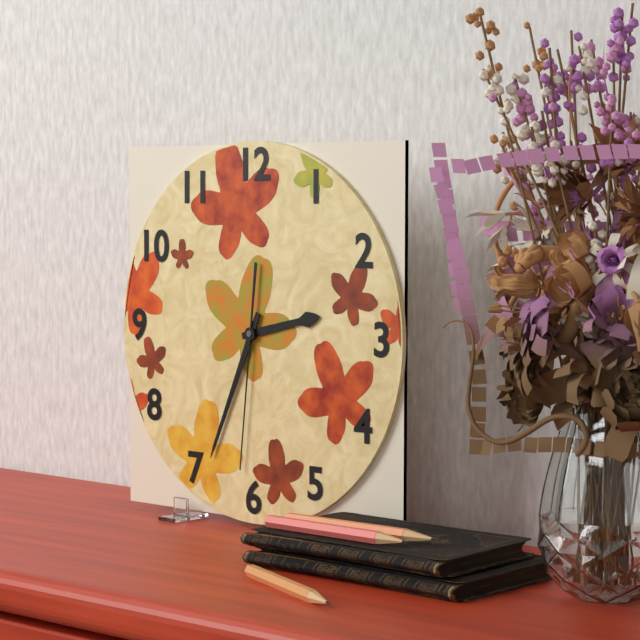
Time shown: 2:34:31
